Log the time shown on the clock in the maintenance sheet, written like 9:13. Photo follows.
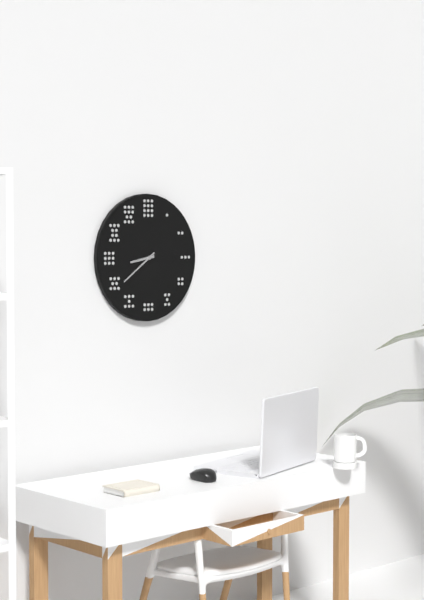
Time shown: 8:39
